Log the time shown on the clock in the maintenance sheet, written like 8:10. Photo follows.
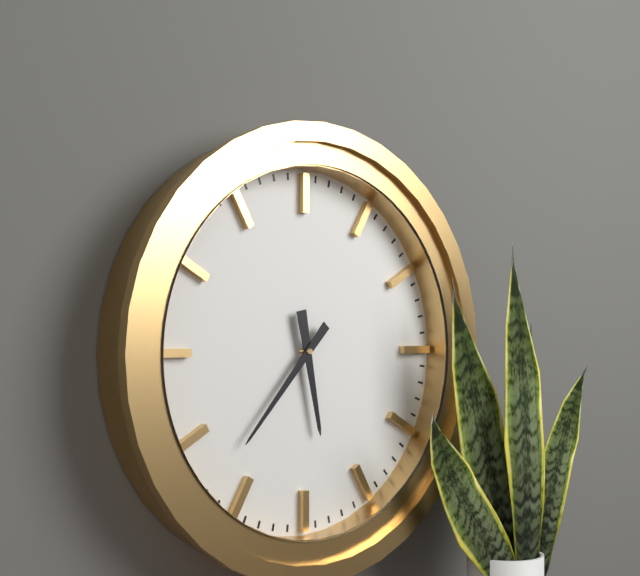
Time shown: 5:37
